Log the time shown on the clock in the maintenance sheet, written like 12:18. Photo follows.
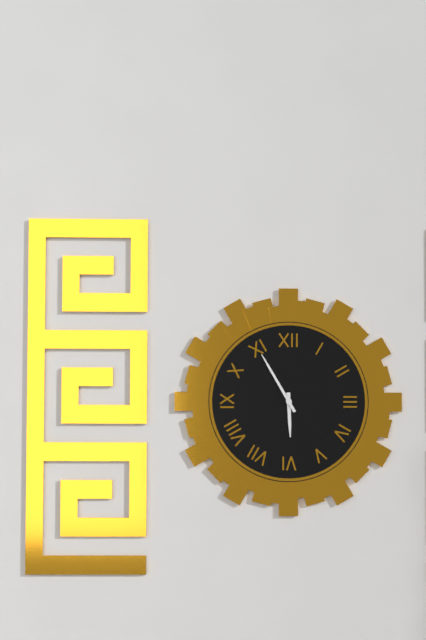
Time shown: 5:55
